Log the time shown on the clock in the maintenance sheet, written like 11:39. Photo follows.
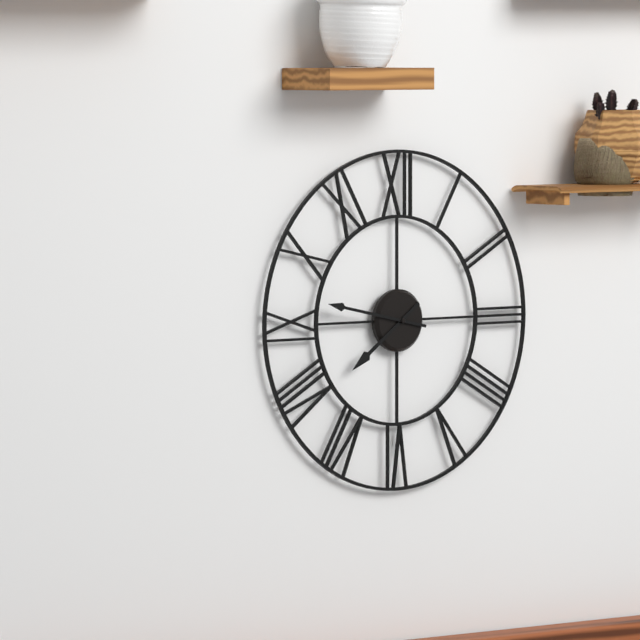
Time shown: 7:47
